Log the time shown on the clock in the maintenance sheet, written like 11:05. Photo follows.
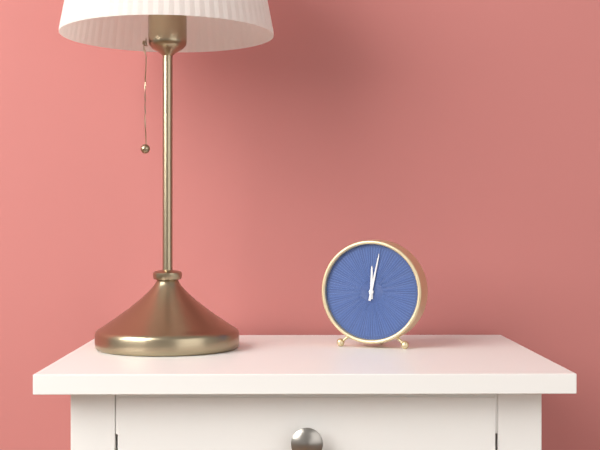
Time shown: 12:02
